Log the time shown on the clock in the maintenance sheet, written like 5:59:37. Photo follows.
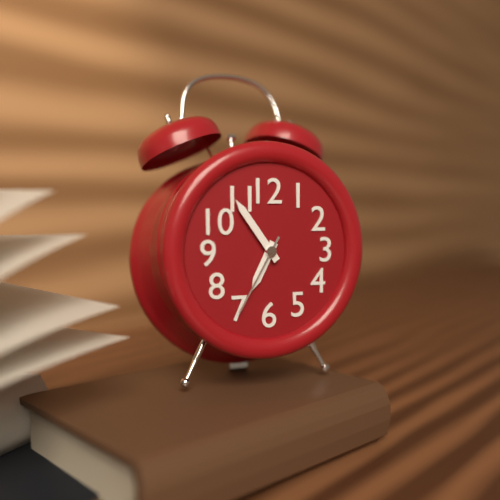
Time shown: 6:54:35
